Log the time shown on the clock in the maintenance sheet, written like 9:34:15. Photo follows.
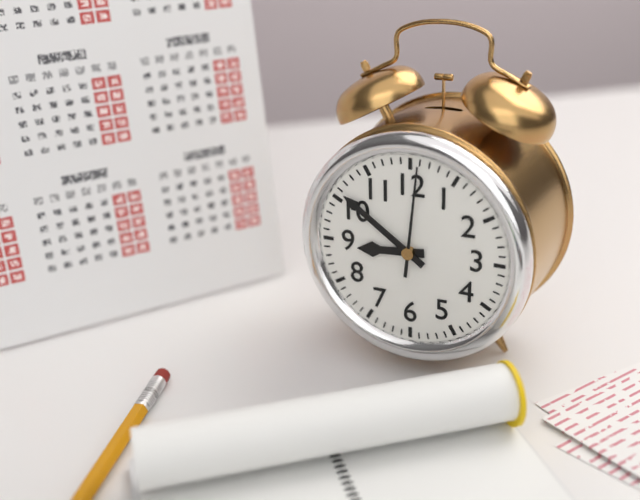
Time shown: 8:51:01
